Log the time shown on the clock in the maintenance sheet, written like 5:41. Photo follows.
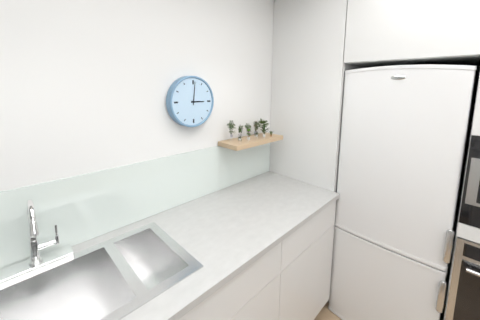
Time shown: 3:01
